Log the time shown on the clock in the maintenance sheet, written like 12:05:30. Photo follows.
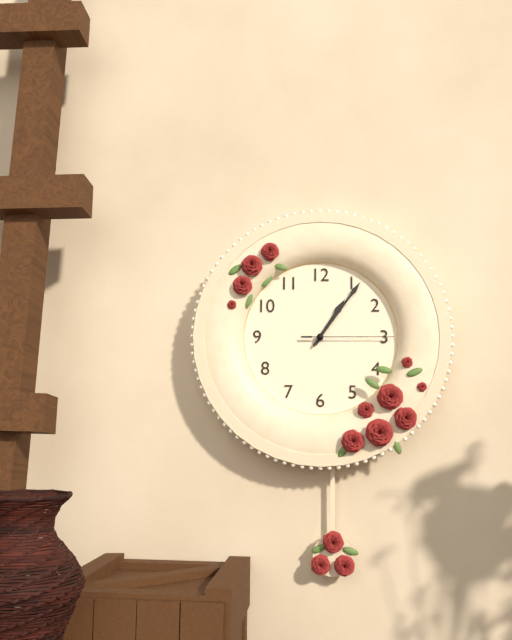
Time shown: 1:06:15
